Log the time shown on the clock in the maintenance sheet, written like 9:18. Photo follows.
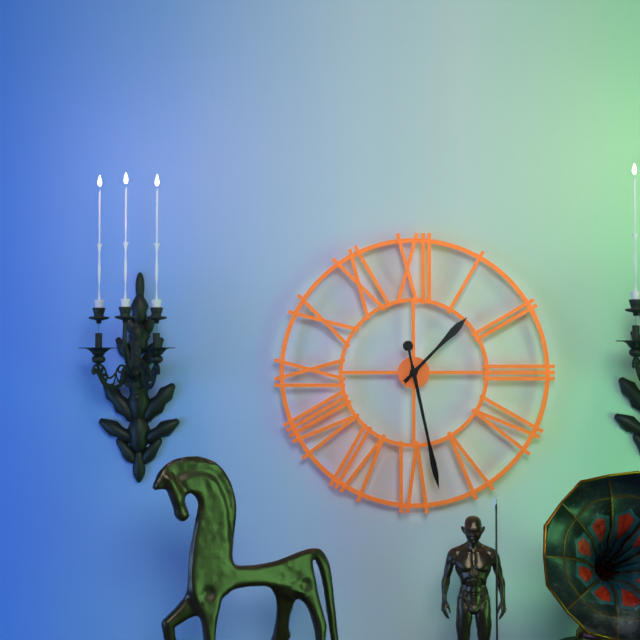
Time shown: 1:28
